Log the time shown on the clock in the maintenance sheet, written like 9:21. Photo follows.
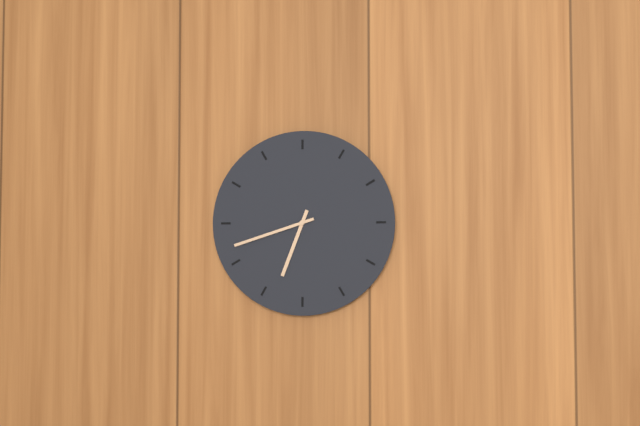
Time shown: 6:42
